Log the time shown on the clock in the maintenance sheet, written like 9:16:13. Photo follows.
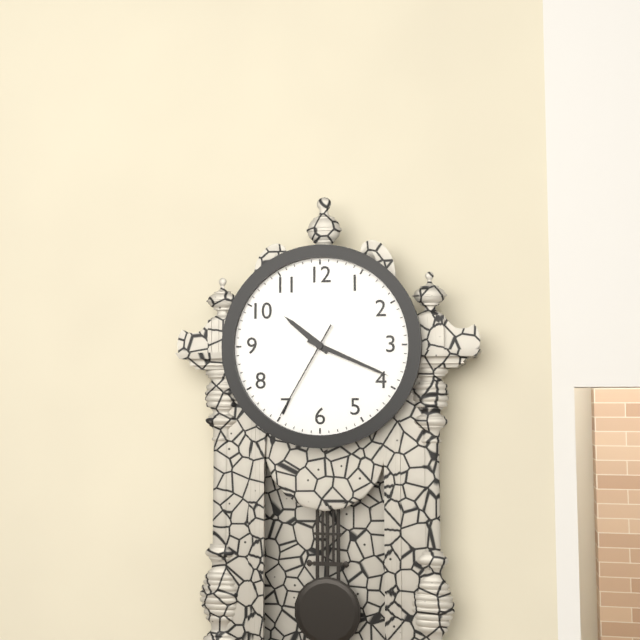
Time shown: 10:19:35
